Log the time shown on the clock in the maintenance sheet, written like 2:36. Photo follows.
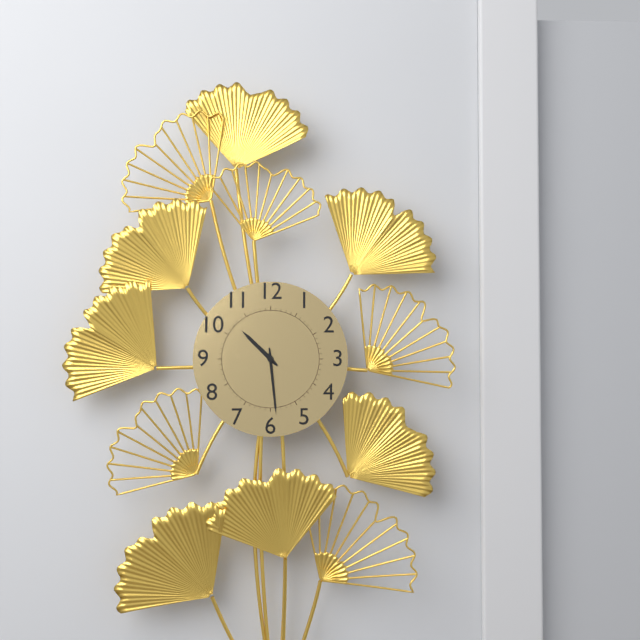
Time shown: 10:29
